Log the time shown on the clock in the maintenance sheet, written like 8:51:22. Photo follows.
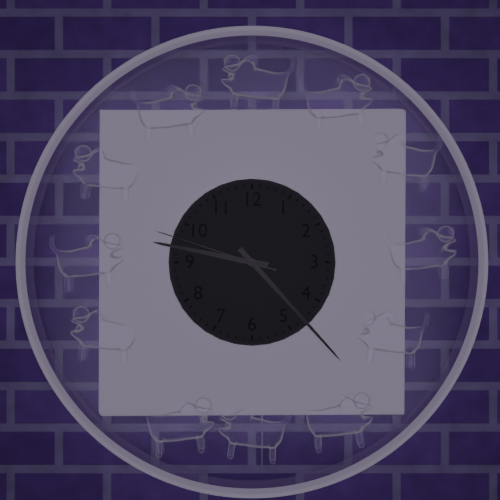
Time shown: 9:23:48
